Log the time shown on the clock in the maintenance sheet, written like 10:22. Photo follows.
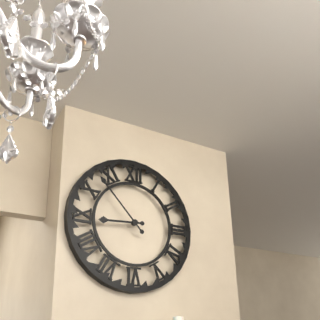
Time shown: 8:53
